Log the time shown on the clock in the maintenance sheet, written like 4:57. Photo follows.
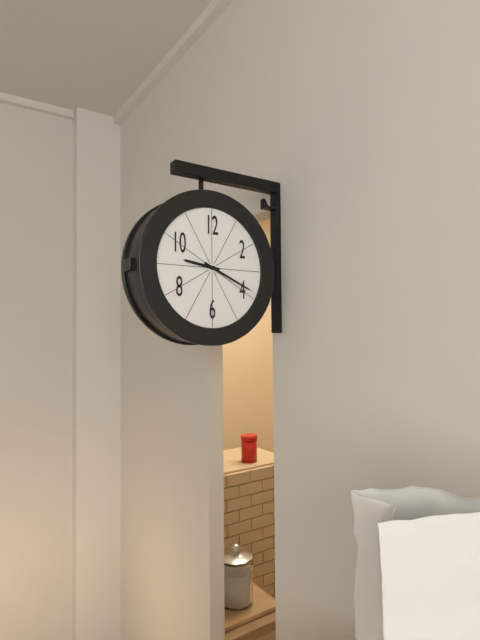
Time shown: 9:19
